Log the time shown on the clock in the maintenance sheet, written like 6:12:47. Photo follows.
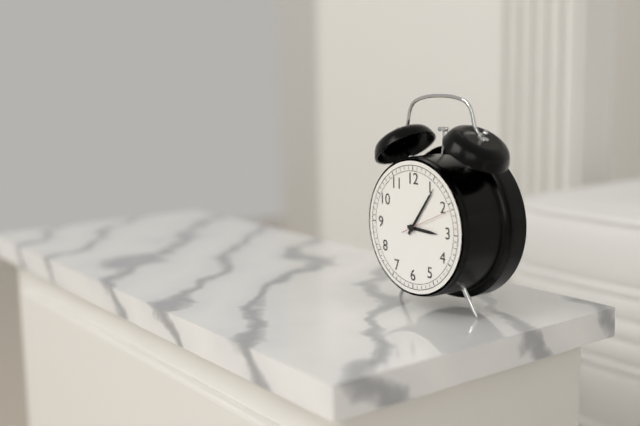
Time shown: 3:06:11
